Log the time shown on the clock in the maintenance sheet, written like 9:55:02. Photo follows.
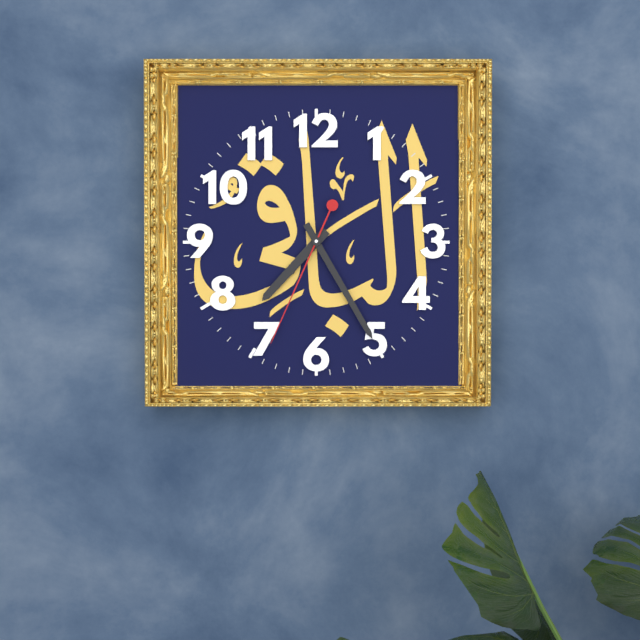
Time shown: 7:25:34
